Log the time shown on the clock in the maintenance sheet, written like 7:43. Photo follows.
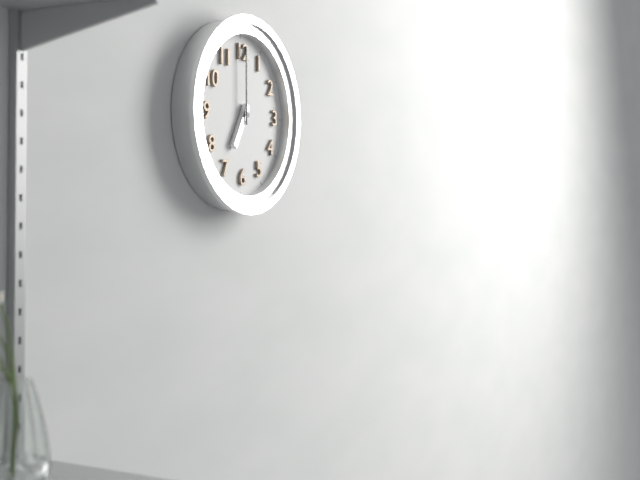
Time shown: 7:00
